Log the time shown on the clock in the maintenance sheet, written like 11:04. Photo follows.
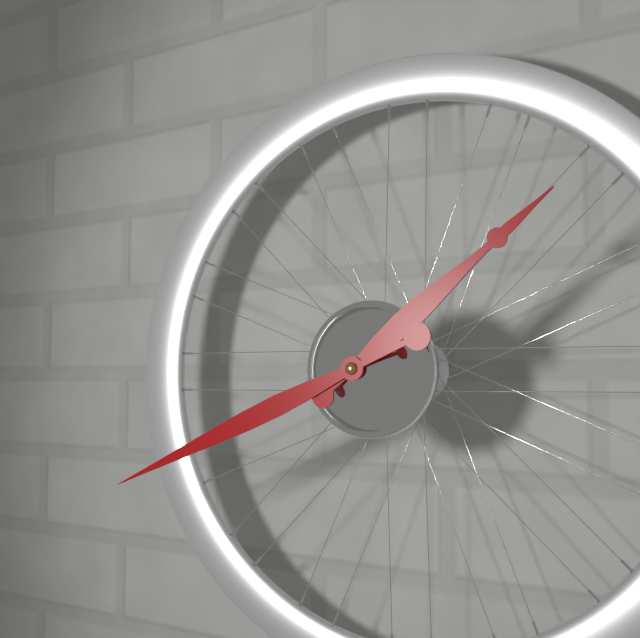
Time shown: 1:41
